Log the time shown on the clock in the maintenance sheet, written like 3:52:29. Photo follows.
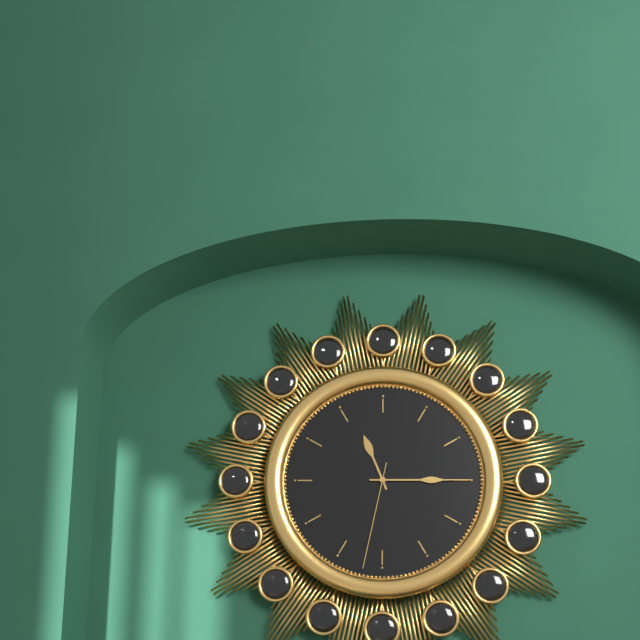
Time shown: 11:15:32
